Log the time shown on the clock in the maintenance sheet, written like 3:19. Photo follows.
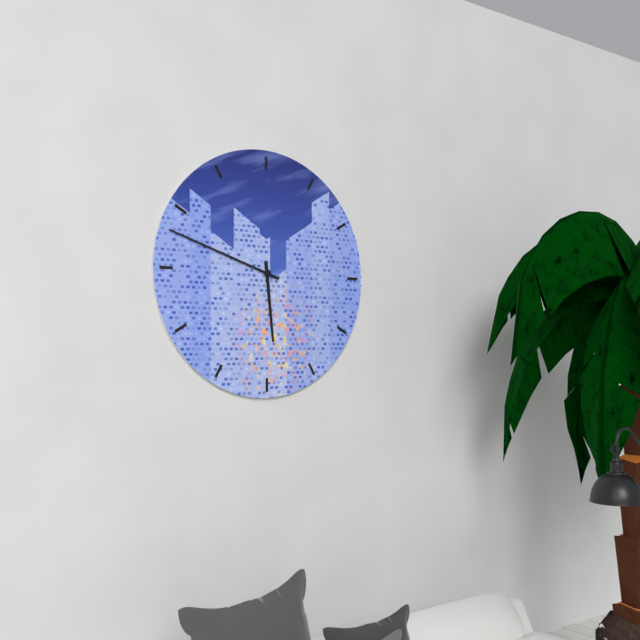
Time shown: 5:48
